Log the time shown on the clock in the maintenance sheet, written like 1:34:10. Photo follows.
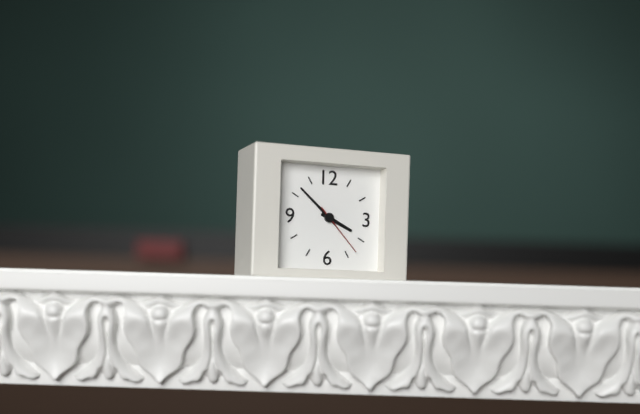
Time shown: 3:52:23
